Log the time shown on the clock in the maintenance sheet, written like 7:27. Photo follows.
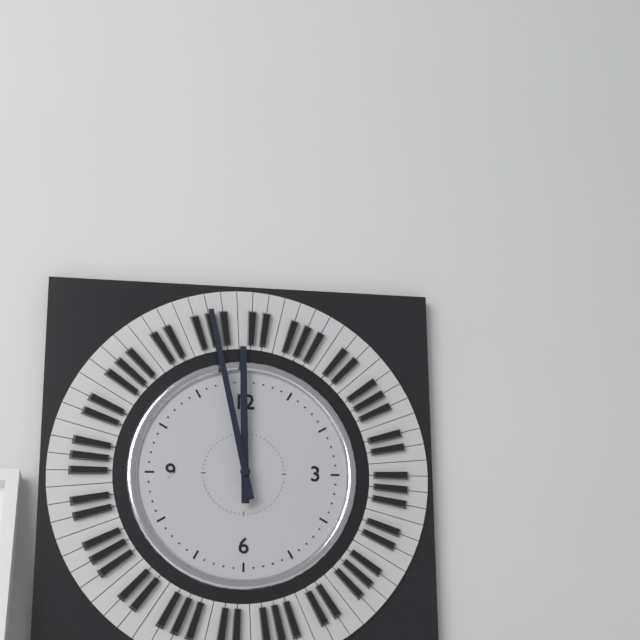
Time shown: 11:58
